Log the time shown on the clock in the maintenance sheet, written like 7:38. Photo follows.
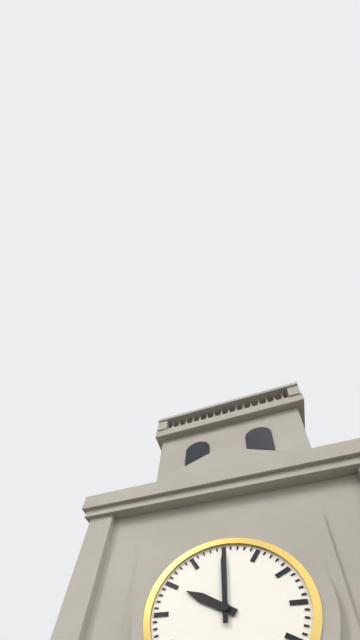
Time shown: 10:00
